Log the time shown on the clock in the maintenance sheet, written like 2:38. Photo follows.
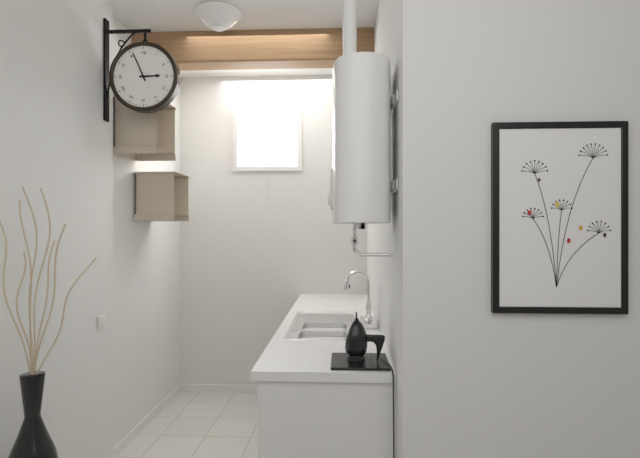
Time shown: 2:56
